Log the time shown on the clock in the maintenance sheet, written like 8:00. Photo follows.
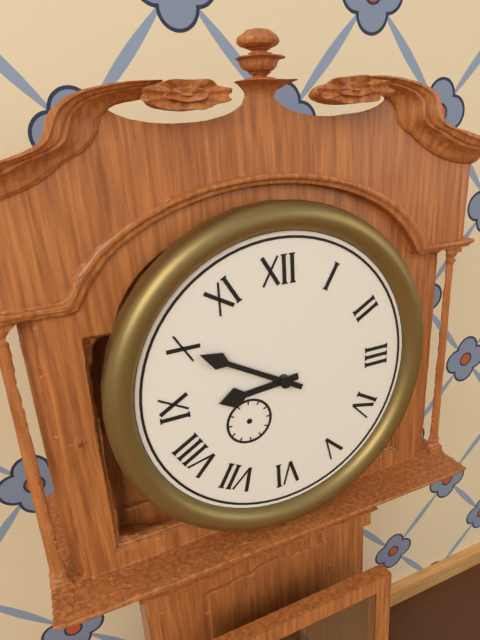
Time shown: 8:50
